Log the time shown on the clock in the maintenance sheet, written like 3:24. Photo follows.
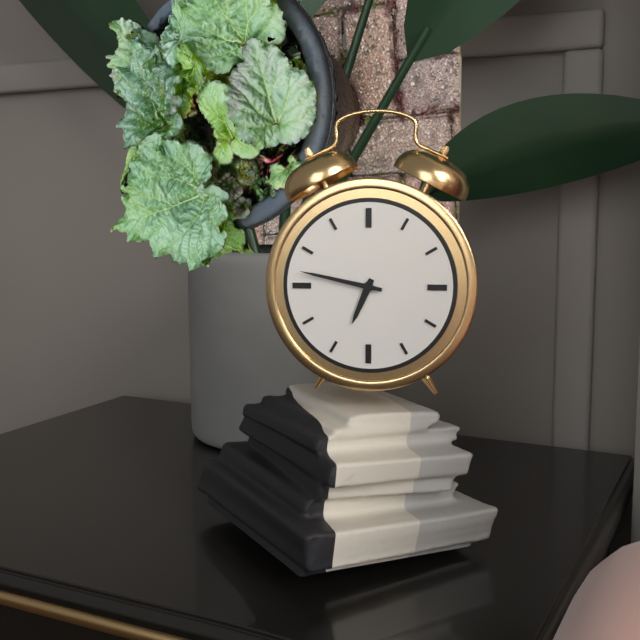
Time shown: 6:47
